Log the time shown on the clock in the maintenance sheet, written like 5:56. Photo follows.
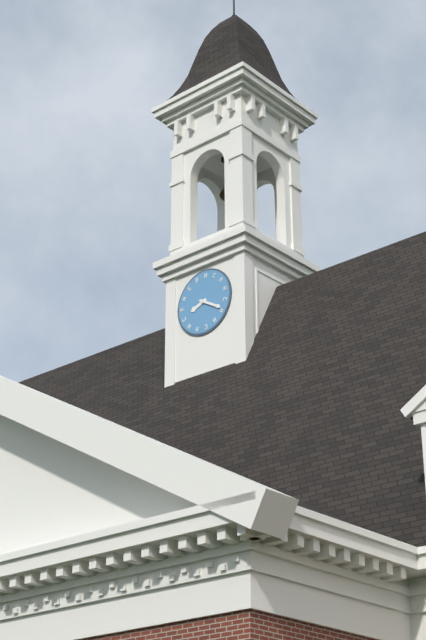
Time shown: 8:20
